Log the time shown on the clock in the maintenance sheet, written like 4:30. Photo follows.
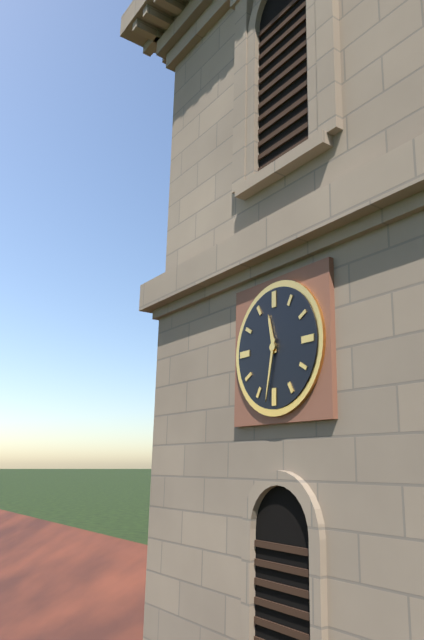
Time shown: 11:32
